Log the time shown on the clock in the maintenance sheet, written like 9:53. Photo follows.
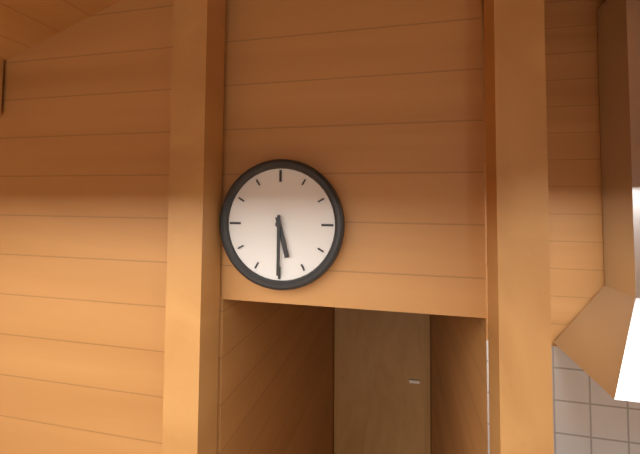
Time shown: 5:30
